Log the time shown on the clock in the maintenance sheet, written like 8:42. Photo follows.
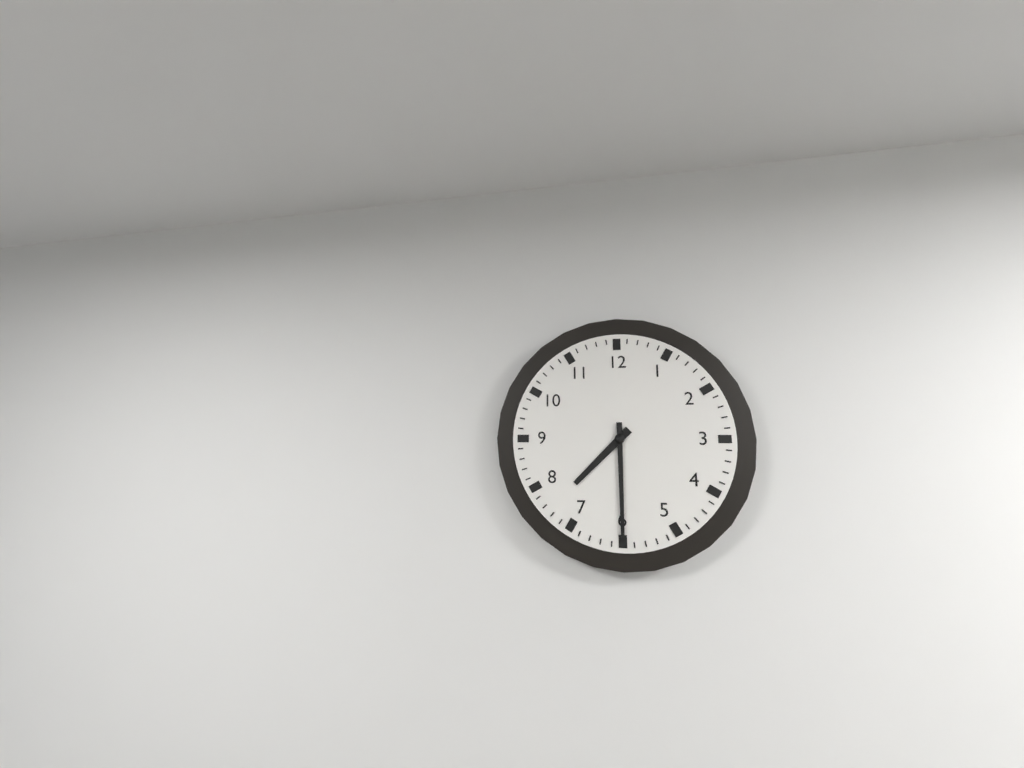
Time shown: 7:30
